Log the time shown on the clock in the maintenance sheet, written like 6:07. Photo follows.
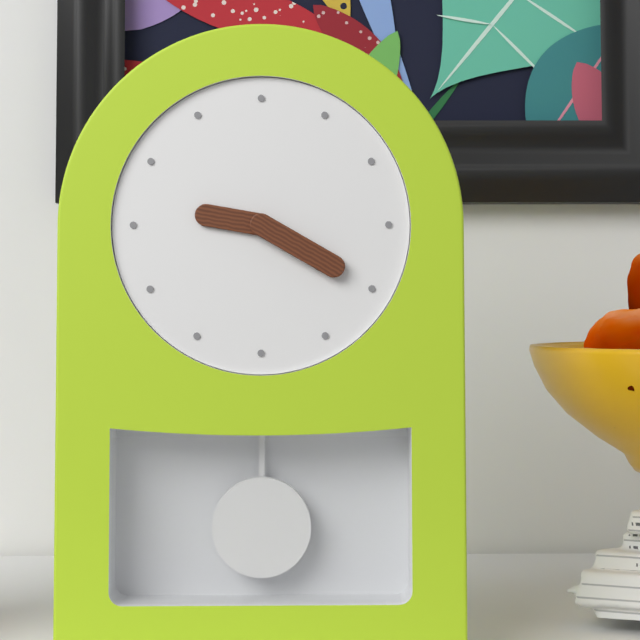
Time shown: 9:20
